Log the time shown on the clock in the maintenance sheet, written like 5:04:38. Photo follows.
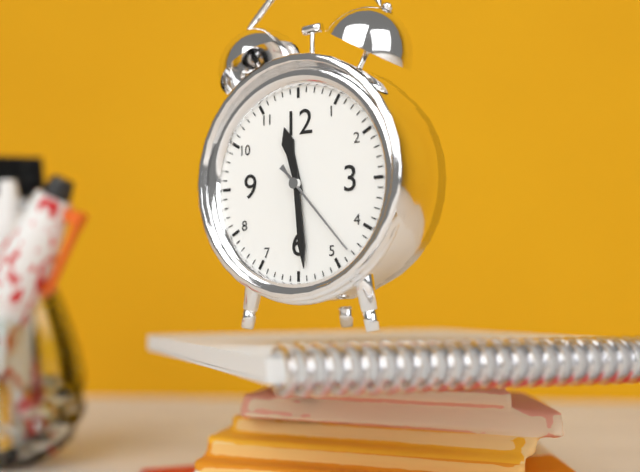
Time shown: 11:29:23
